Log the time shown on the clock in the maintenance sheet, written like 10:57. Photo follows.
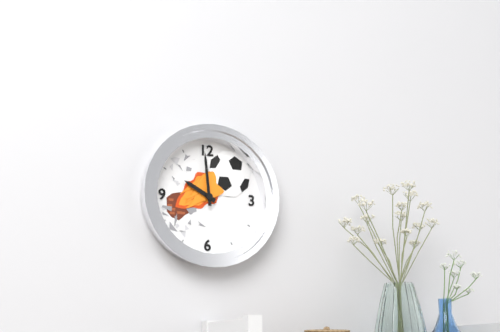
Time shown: 9:59
